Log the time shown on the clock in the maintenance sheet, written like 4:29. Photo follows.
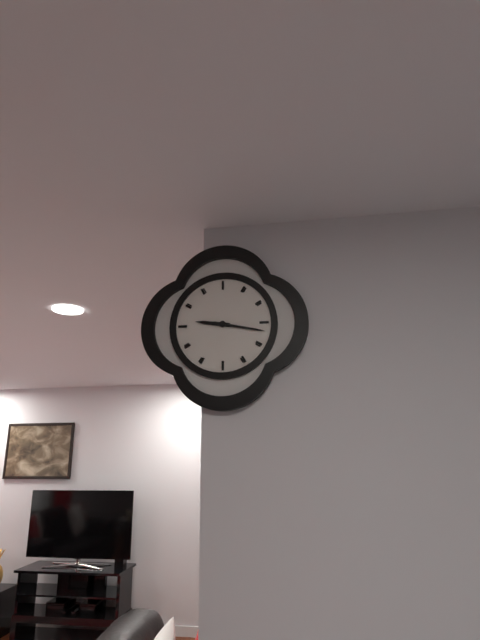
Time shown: 9:17
